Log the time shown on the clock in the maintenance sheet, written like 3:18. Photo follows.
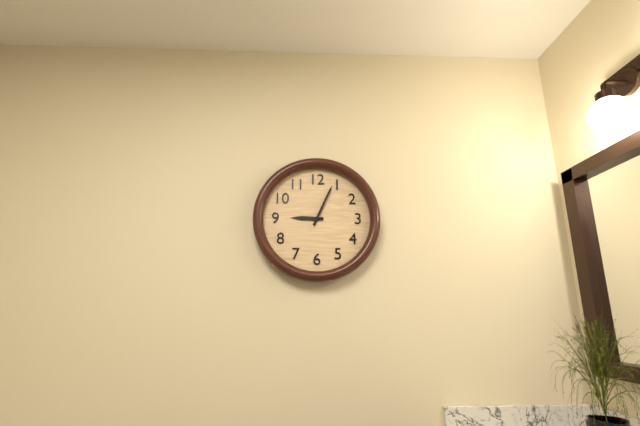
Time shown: 9:04
